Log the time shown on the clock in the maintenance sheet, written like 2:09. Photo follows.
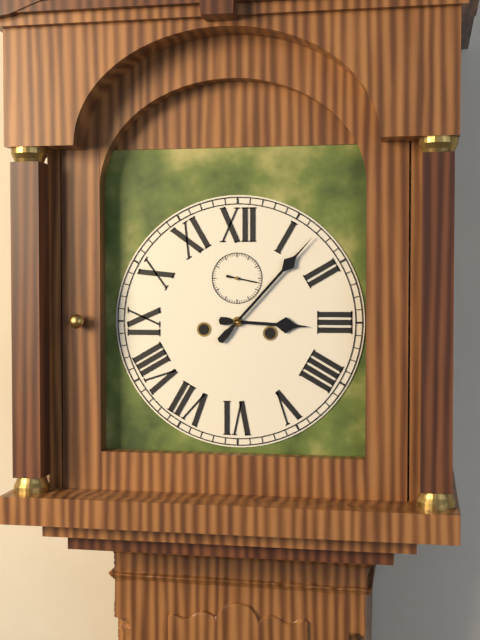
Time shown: 3:07
